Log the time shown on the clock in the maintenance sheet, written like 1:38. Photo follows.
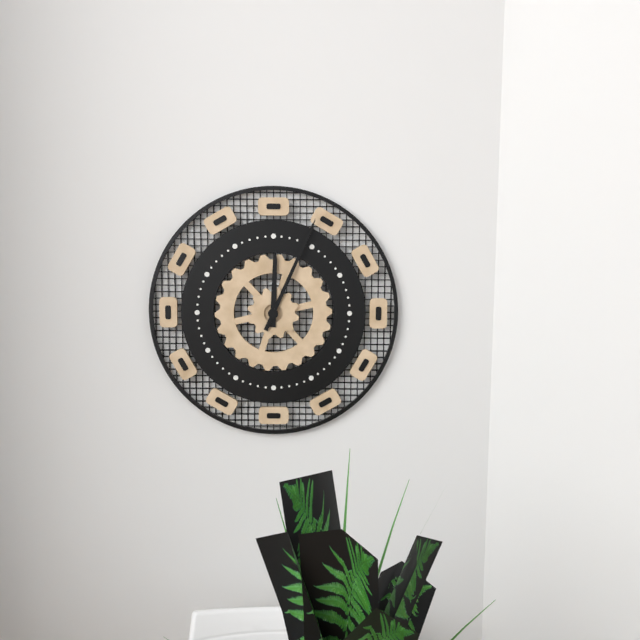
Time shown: 12:04
